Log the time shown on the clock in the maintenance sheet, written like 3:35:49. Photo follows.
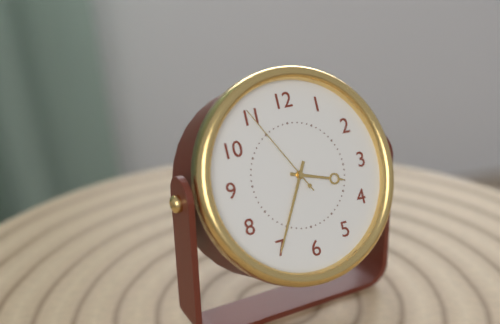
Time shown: 3:35:55
